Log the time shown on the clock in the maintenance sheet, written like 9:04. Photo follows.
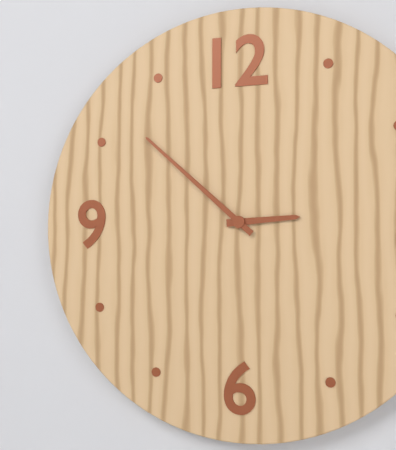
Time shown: 2:52
